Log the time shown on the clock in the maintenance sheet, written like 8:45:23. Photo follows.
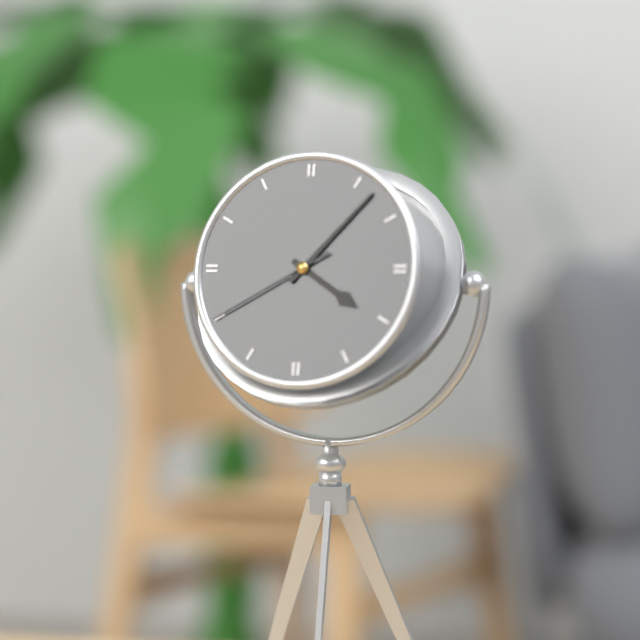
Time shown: 4:07:40
